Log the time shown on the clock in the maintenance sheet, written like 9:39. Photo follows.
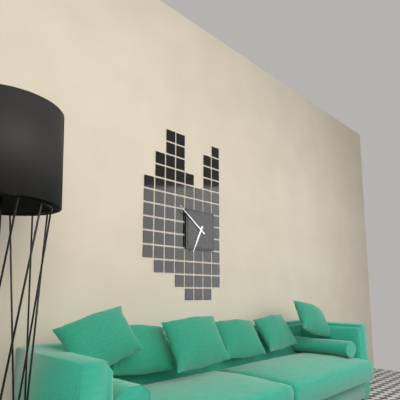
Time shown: 6:51
